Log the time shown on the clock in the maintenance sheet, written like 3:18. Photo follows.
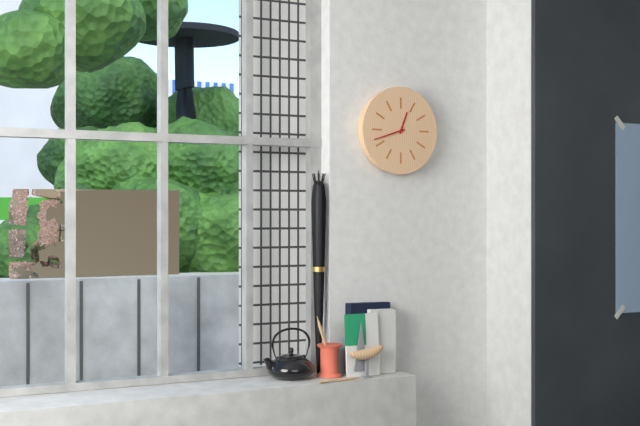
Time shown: 12:42
